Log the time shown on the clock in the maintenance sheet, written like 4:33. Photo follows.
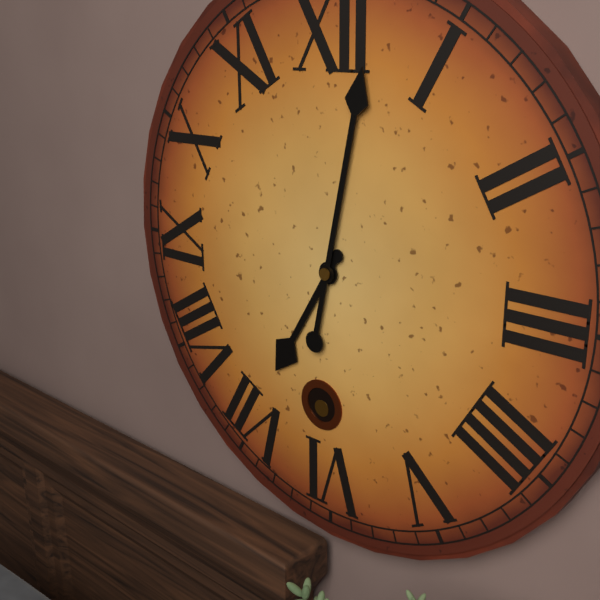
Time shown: 7:02
